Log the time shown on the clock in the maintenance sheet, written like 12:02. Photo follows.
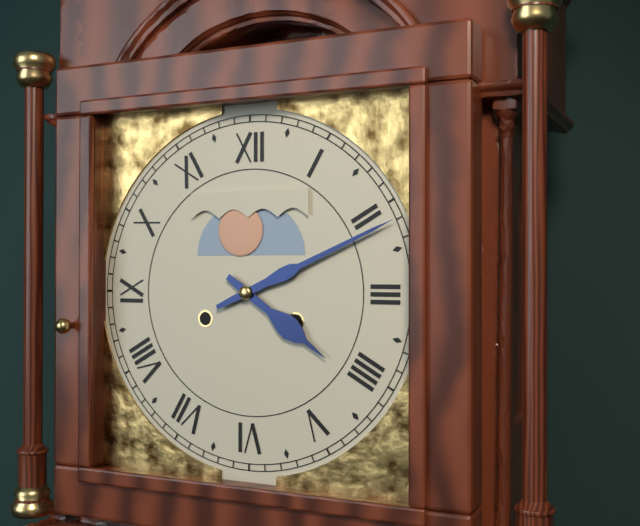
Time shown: 4:11
